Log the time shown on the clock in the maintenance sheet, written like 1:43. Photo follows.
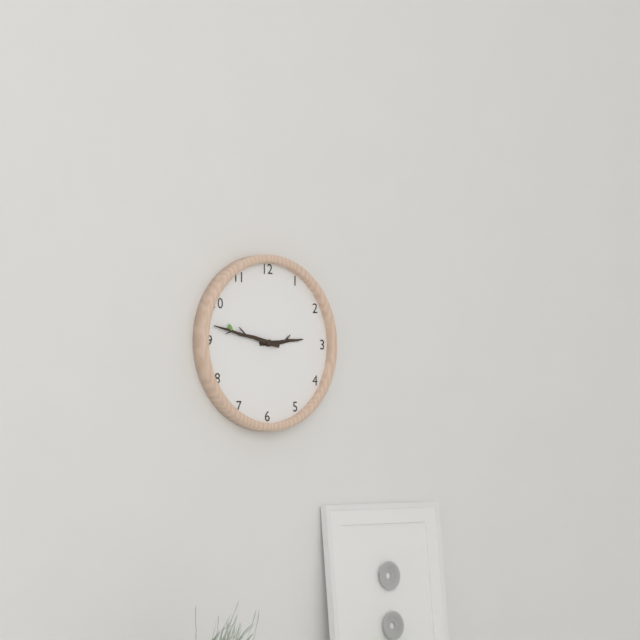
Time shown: 2:47
